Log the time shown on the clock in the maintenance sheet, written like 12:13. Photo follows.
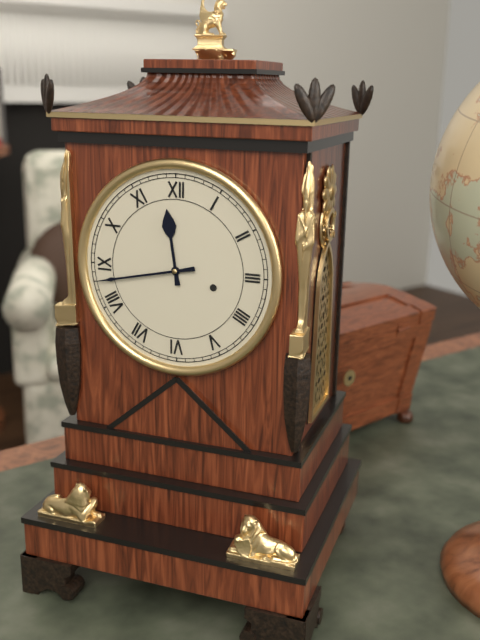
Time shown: 11:43
